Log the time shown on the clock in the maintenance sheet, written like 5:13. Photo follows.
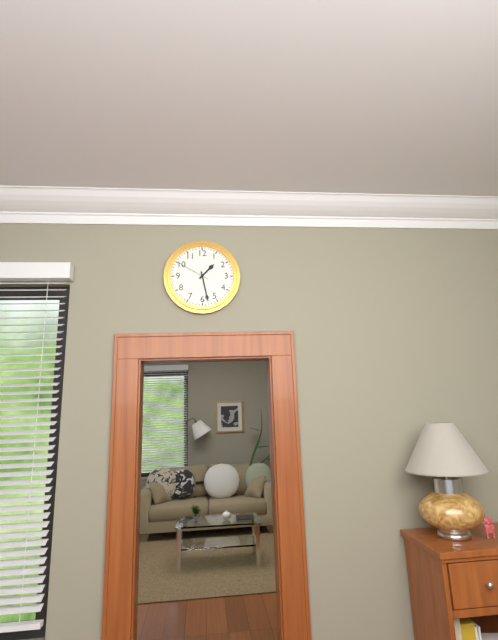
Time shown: 1:28
